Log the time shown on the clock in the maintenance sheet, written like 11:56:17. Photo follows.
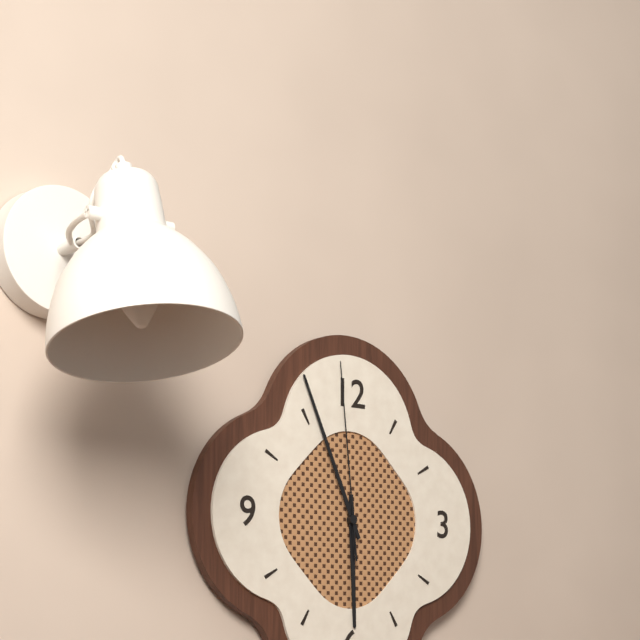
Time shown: 5:56:59
